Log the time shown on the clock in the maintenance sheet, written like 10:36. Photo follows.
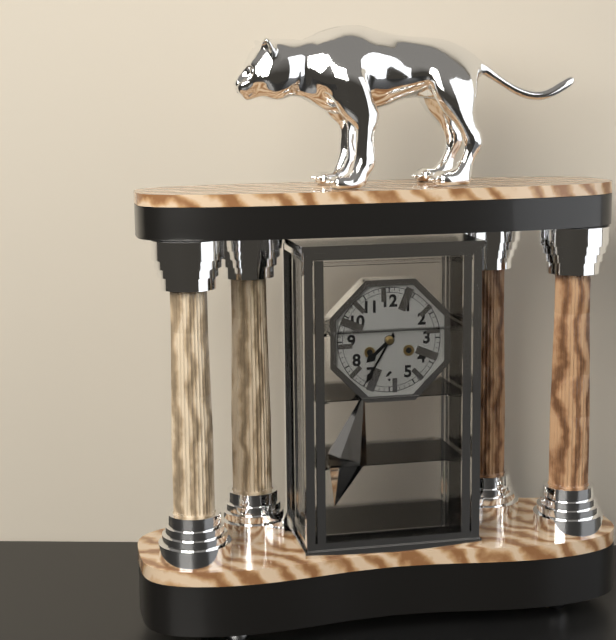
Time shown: 7:35
